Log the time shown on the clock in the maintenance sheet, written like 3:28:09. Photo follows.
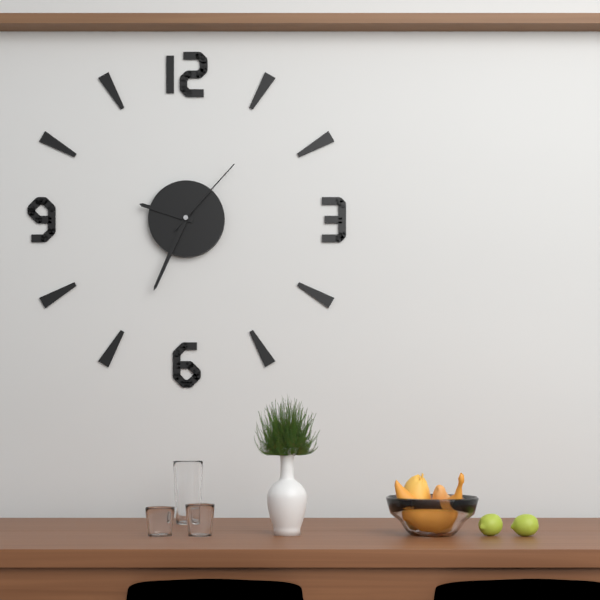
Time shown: 9:34:07
